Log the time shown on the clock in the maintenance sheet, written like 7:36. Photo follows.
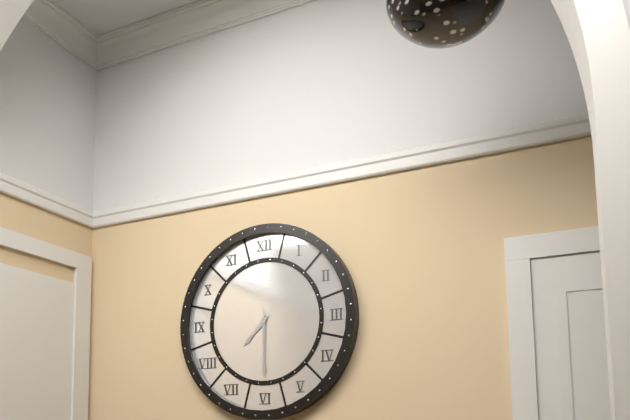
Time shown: 7:30
